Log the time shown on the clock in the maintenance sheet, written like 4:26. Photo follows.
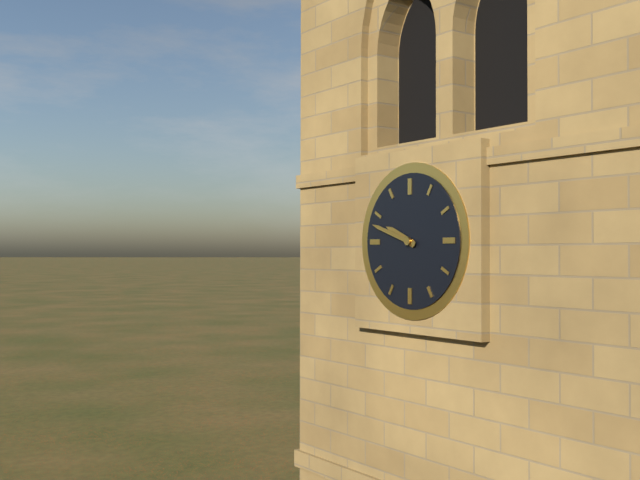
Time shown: 9:48
